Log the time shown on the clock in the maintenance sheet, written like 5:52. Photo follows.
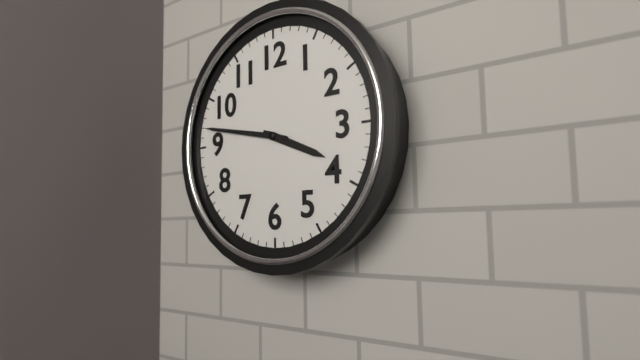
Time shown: 3:47
